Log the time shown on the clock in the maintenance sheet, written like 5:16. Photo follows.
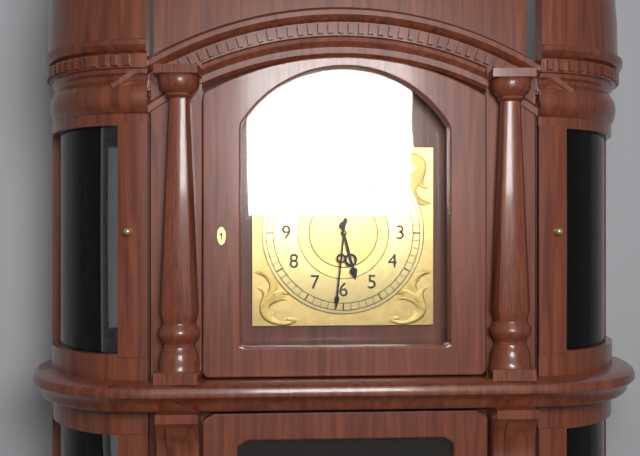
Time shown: 5:31
